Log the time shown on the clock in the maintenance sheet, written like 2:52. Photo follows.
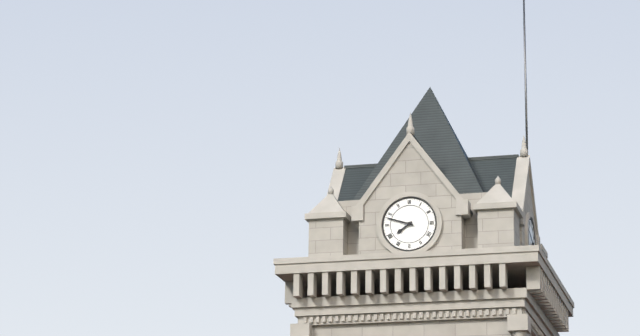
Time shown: 7:48
